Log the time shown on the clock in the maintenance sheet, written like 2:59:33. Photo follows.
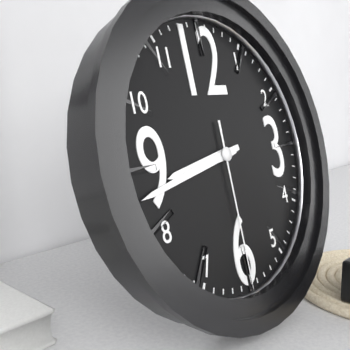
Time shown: 8:43:30
